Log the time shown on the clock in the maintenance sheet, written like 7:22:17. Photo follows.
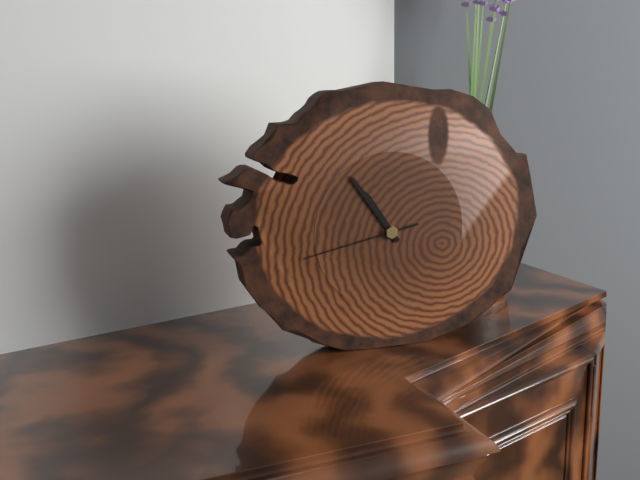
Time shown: 10:54:43
